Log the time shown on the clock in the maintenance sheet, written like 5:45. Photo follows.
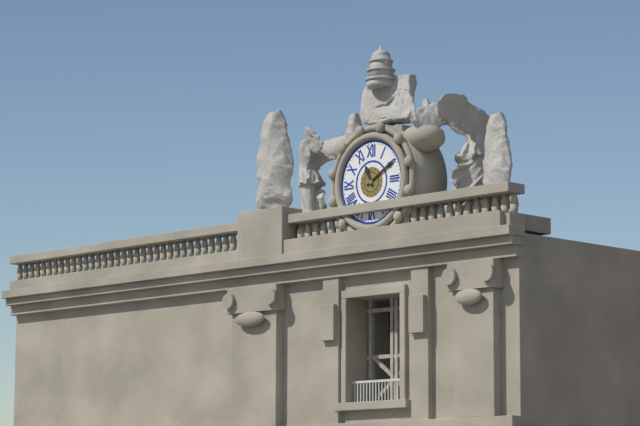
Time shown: 11:10
